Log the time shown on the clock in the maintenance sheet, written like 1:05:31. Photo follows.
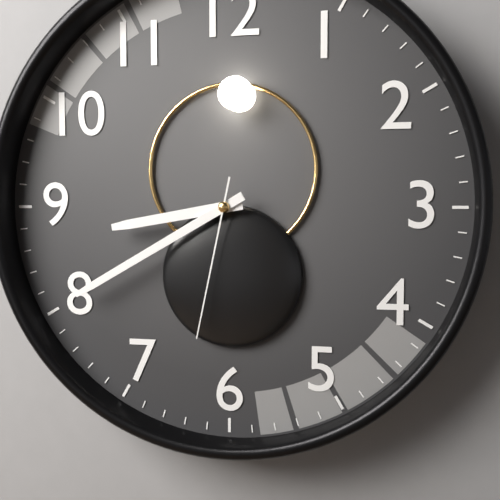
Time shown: 8:40:32
